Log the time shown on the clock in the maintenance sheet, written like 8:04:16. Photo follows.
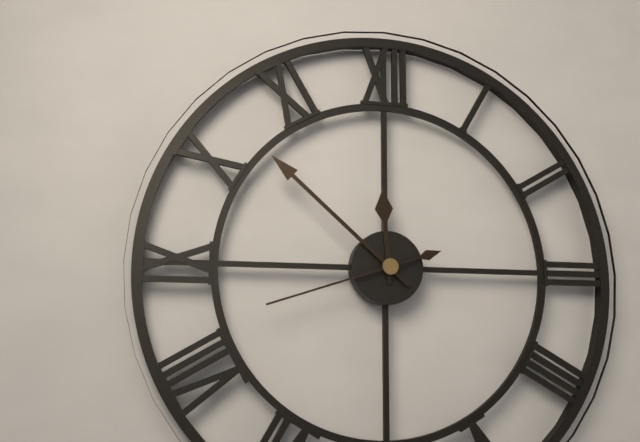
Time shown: 11:52:42
